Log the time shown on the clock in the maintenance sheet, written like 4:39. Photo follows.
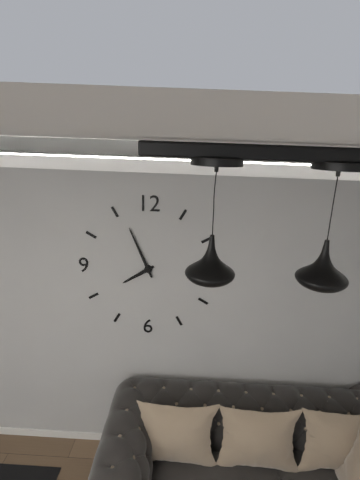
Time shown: 7:56
